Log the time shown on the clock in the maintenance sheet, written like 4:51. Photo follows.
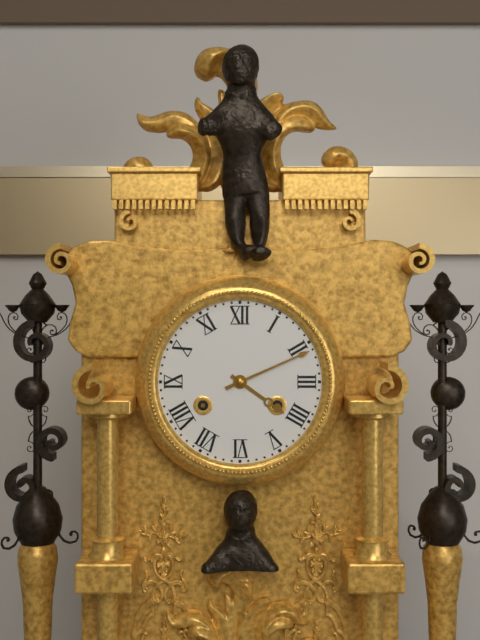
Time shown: 4:11
